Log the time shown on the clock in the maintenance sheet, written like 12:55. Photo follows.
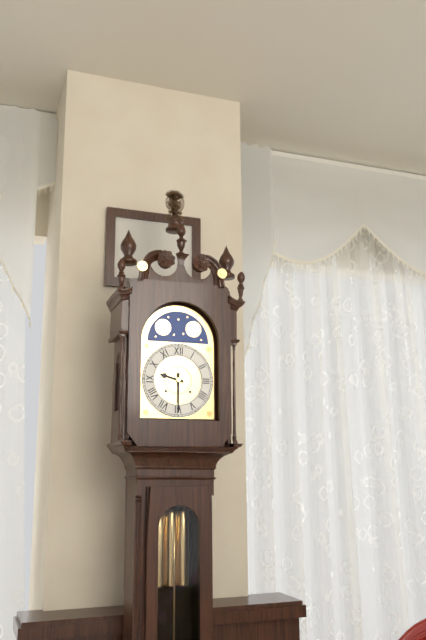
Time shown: 9:30
